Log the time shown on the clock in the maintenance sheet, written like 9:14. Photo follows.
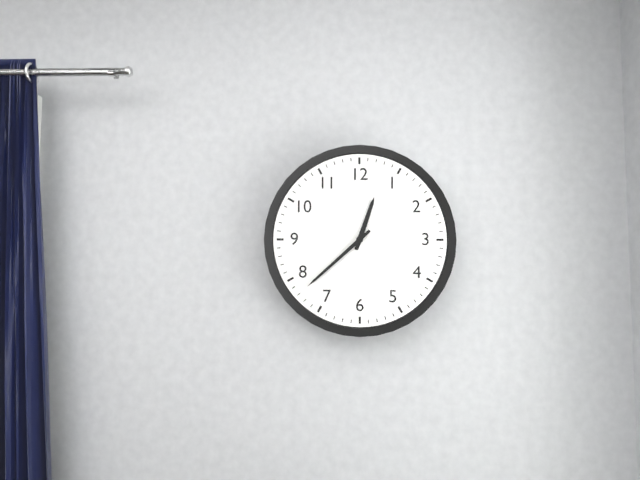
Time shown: 12:38
